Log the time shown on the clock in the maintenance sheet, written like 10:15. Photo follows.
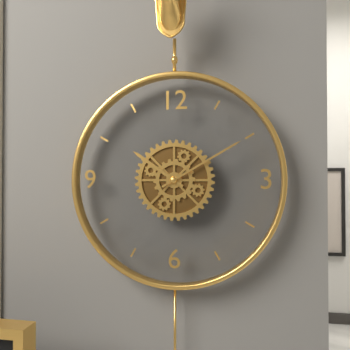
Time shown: 10:10
